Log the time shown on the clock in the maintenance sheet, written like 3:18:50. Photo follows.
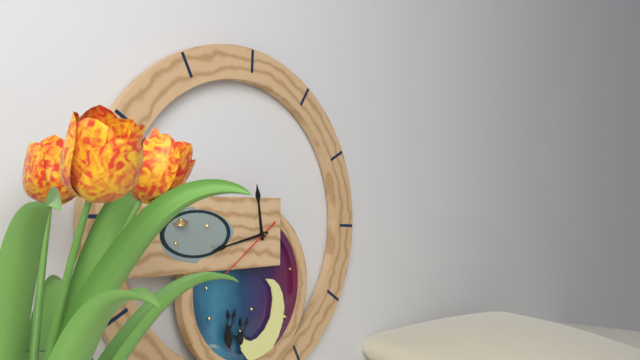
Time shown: 11:43:39
